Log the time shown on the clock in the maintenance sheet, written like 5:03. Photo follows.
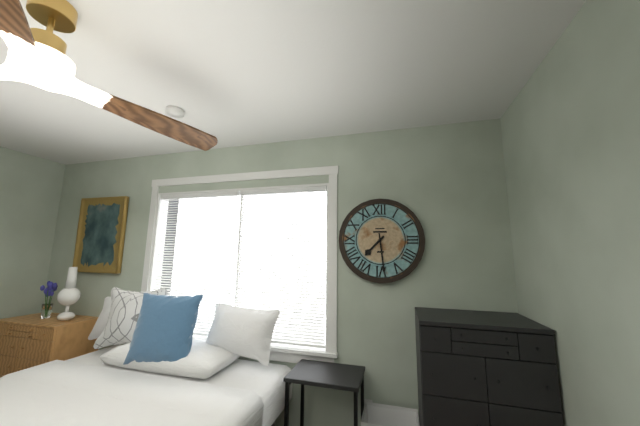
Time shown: 7:29
